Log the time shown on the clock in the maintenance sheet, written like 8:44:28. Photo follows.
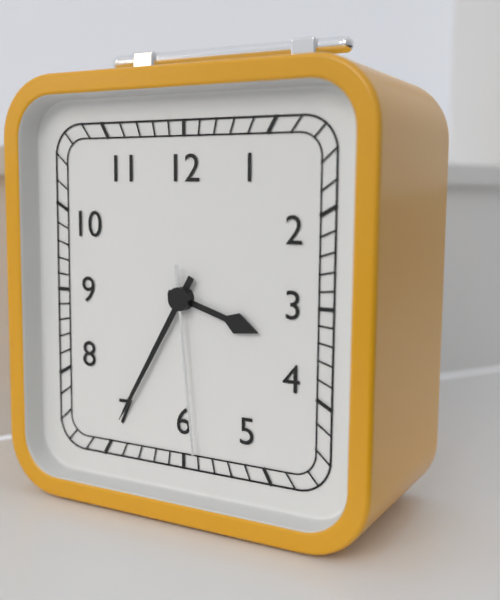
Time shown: 3:35:29
